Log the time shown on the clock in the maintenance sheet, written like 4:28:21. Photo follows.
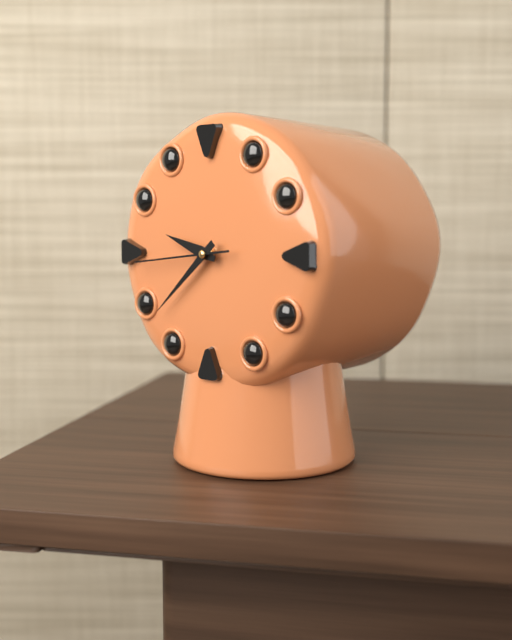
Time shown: 9:38:44
